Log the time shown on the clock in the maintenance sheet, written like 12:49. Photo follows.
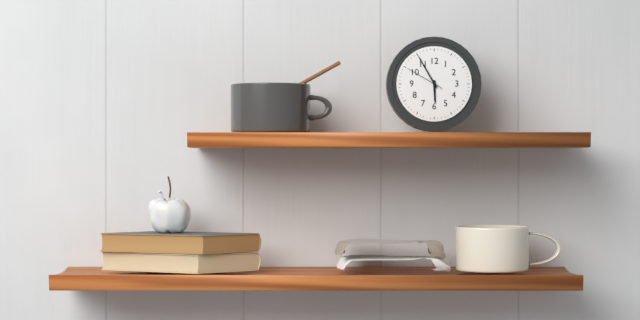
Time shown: 5:55
